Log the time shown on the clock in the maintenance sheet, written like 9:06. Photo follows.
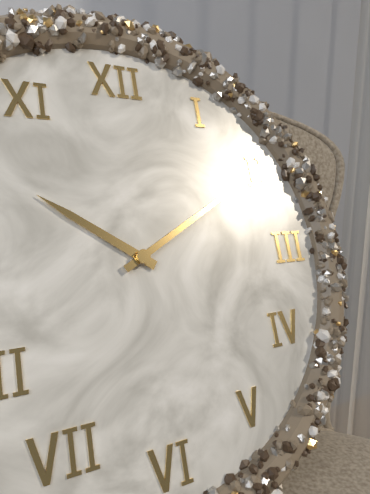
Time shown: 10:10
